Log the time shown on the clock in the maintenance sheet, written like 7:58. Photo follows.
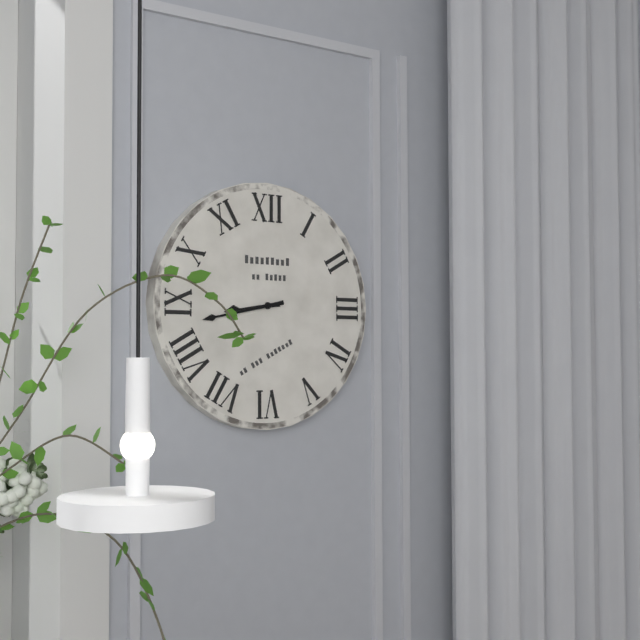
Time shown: 8:43
